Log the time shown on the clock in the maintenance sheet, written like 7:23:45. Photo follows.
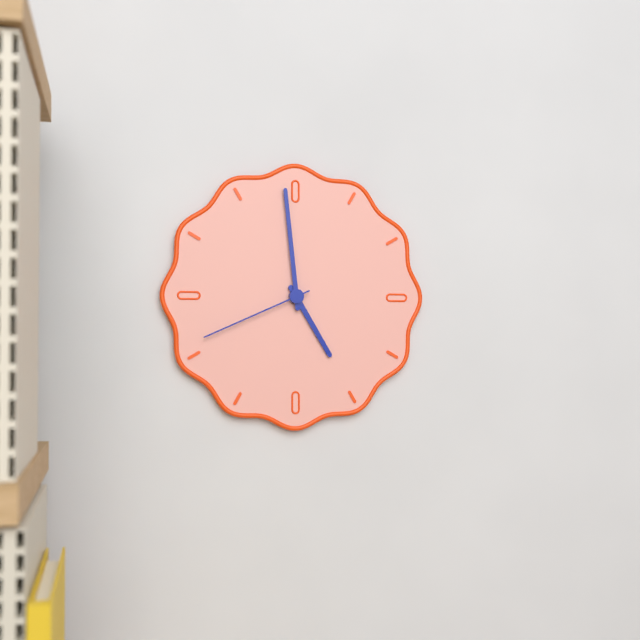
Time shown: 4:59:41
